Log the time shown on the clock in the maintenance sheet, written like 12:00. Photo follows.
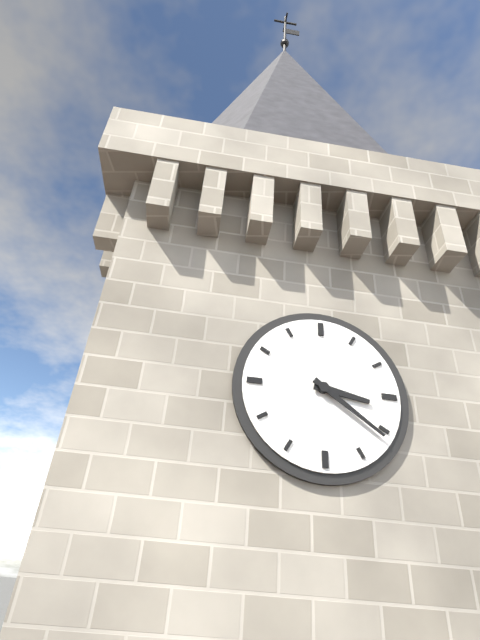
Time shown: 3:21
